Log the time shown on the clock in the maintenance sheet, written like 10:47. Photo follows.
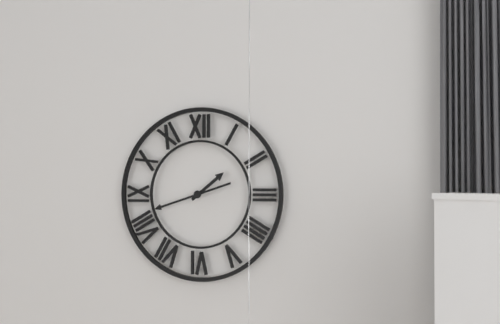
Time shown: 1:42
